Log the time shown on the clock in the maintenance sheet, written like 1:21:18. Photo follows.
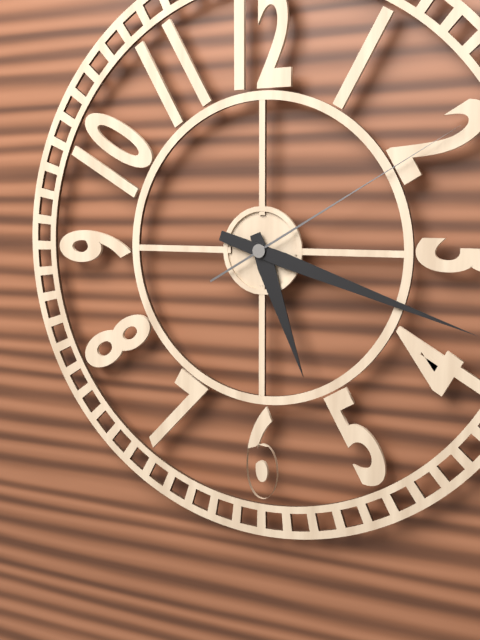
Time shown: 5:18:10
